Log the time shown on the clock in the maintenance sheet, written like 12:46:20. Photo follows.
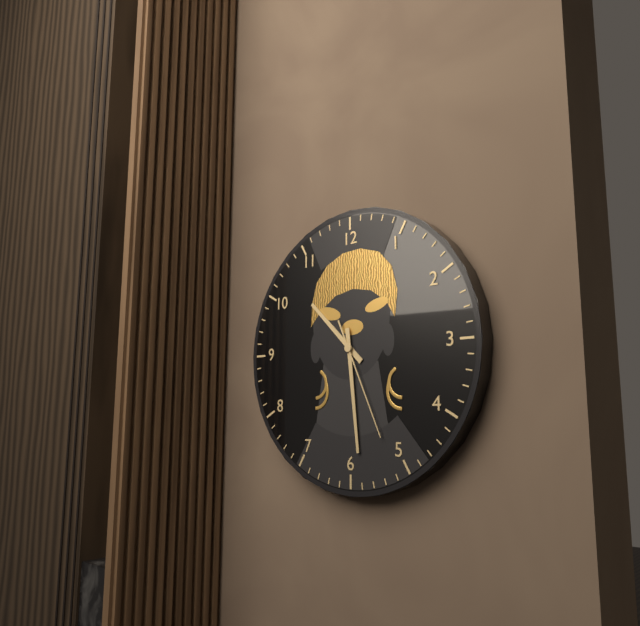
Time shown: 10:29:26
